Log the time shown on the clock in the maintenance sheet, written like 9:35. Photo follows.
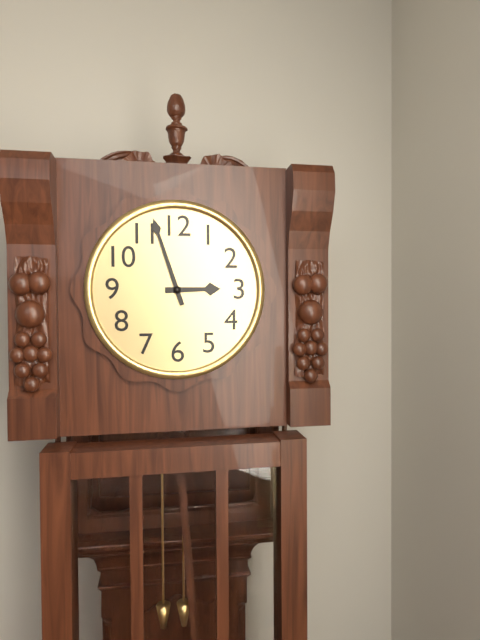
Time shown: 2:57
